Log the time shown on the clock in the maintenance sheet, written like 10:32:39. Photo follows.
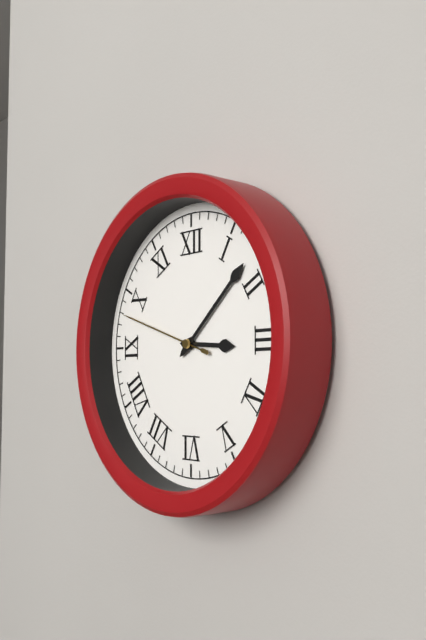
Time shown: 3:08:48
